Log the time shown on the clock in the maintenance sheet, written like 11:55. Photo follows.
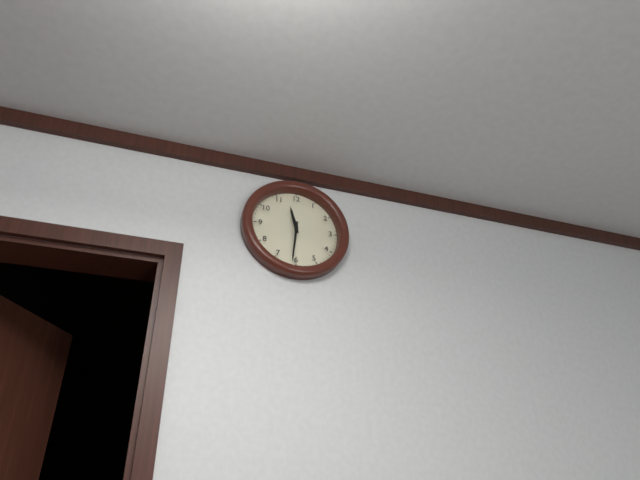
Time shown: 11:31
